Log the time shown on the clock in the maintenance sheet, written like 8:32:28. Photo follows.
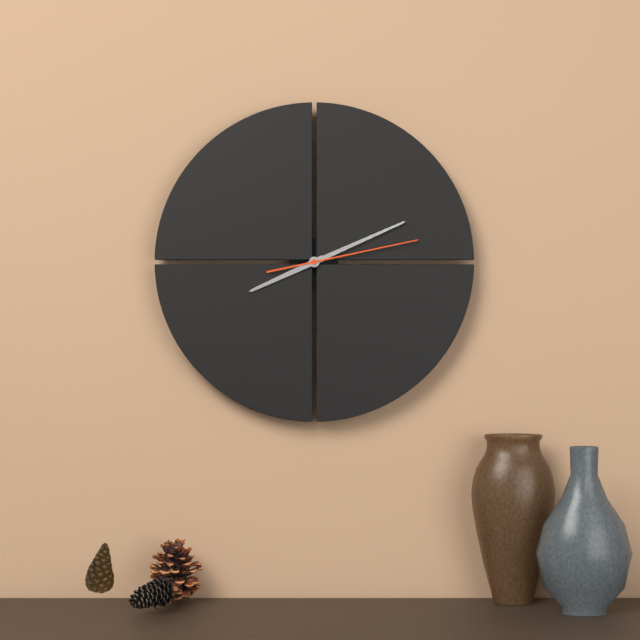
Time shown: 8:11:13
